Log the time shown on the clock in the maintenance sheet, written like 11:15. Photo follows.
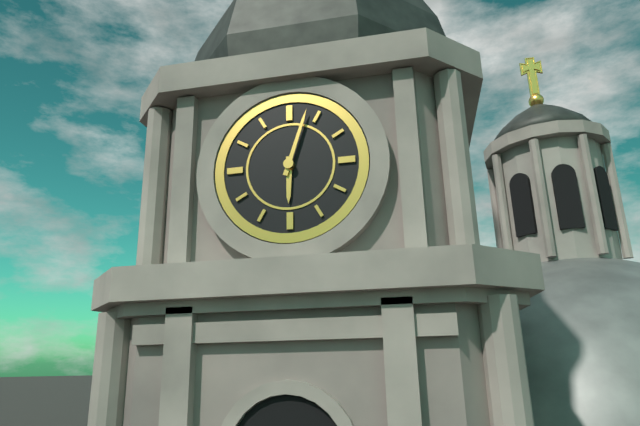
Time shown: 6:03
